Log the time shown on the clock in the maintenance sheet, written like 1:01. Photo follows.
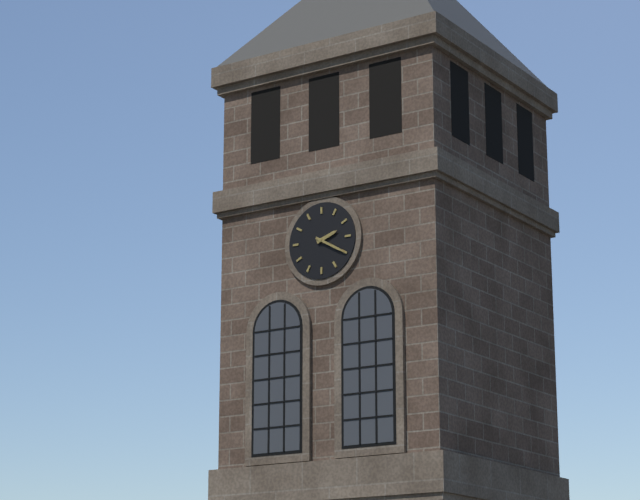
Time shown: 2:20
